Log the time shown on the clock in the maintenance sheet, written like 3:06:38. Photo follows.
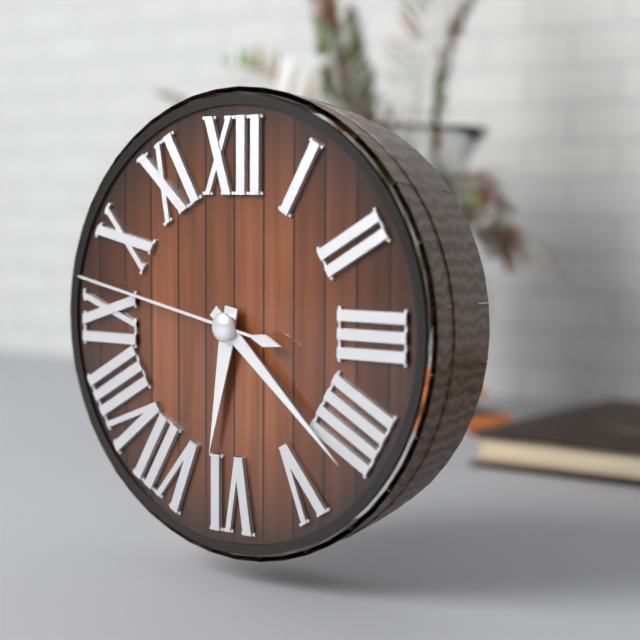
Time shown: 6:22:47
